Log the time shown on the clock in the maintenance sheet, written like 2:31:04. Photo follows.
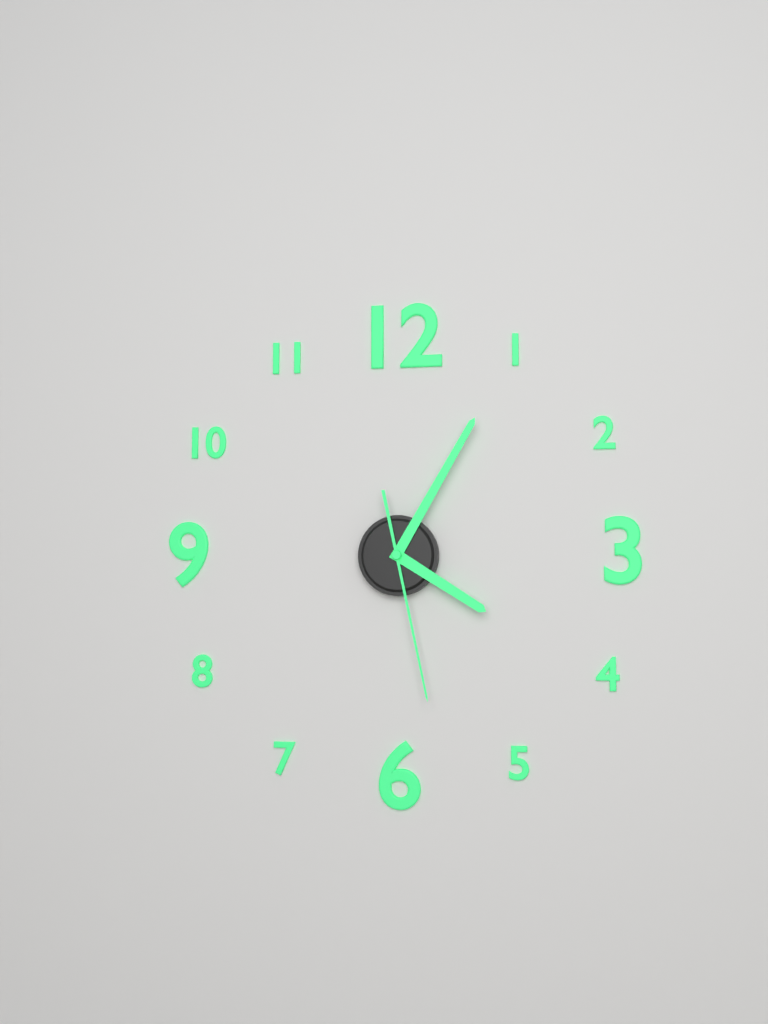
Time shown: 4:05:28
